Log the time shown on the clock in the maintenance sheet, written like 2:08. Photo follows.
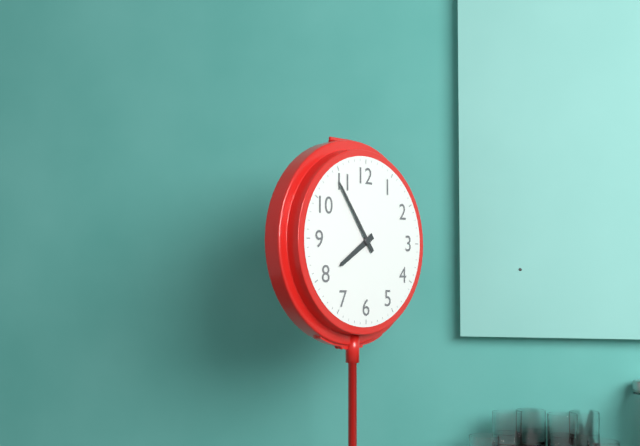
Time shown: 7:54
